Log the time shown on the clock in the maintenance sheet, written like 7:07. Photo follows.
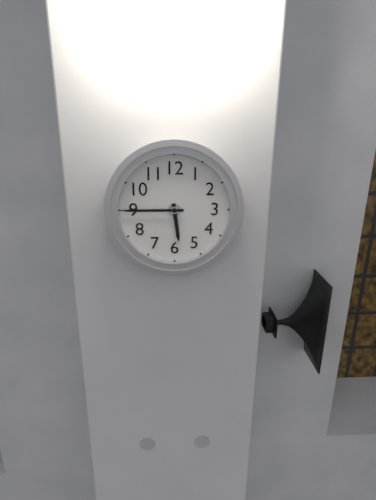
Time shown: 5:45
